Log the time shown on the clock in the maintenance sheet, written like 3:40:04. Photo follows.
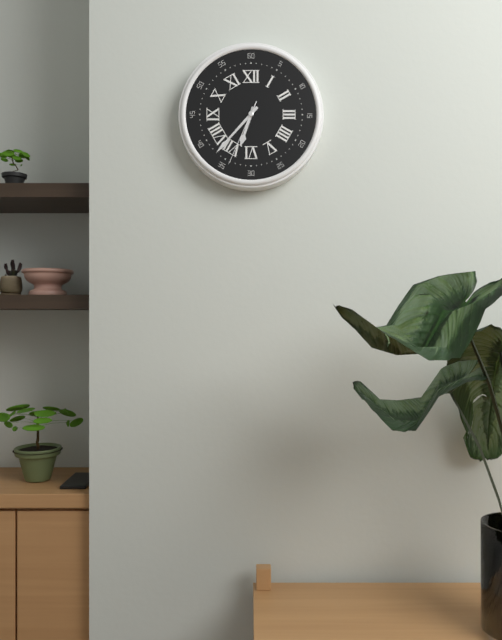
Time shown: 6:37:34
